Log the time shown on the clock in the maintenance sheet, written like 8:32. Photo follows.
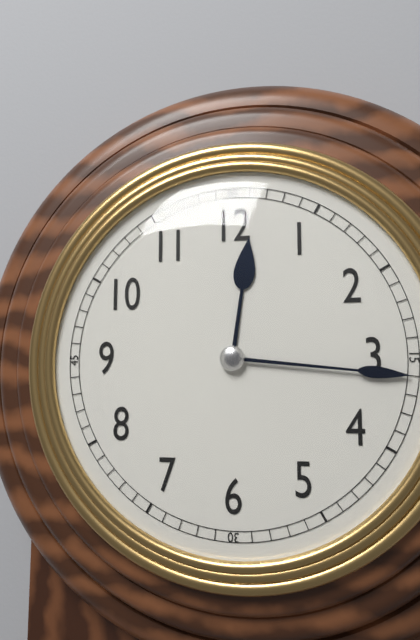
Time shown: 12:16
